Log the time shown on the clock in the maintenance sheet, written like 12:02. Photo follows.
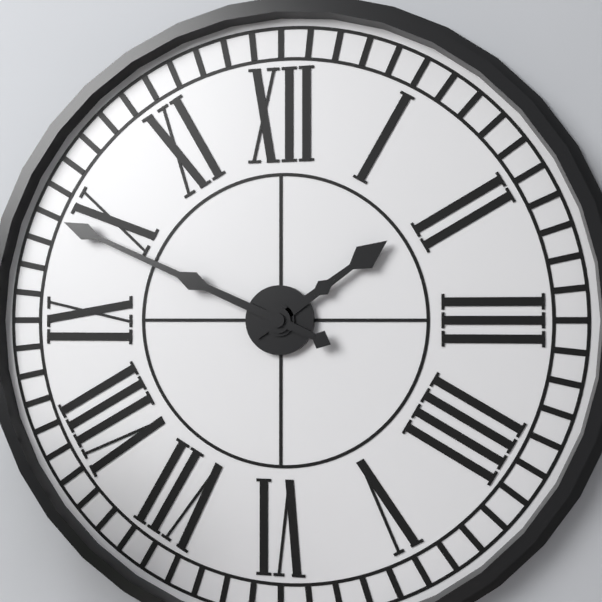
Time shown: 1:49
